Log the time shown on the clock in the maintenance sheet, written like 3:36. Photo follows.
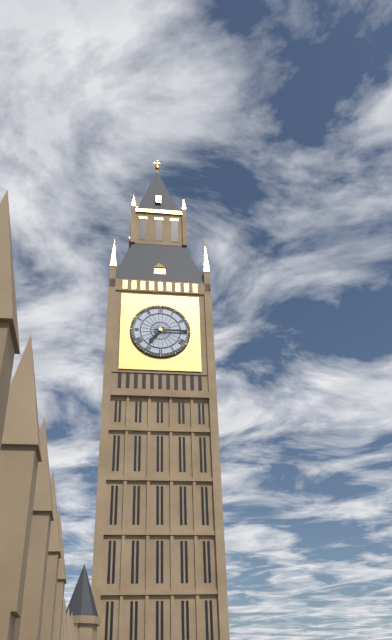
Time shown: 7:15
